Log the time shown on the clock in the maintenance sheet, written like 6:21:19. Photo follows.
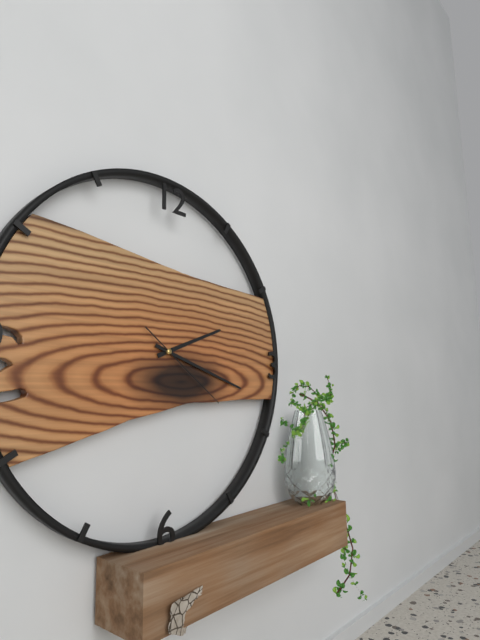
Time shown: 2:18:21
